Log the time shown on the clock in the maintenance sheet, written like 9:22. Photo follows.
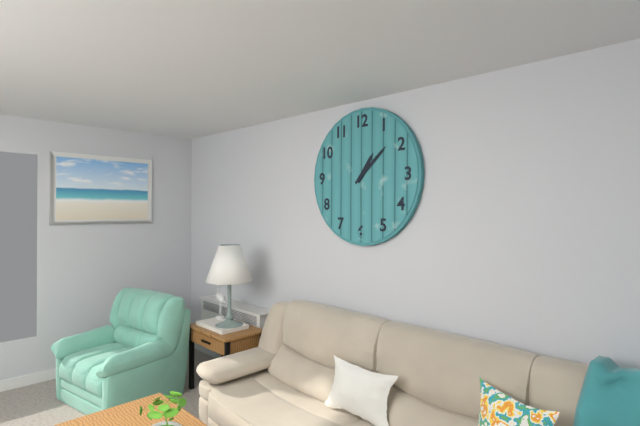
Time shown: 1:08
